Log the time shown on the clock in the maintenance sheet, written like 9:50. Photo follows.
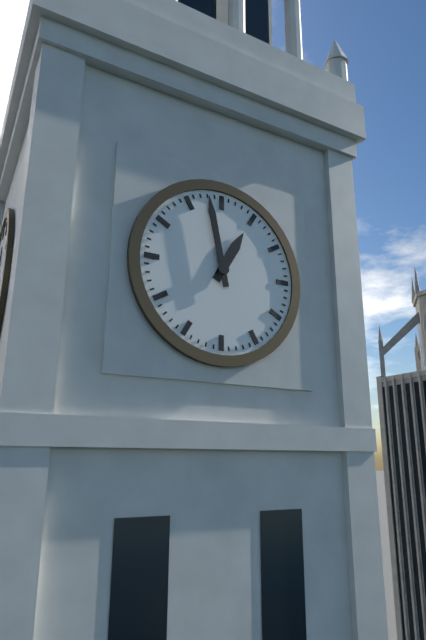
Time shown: 12:58
